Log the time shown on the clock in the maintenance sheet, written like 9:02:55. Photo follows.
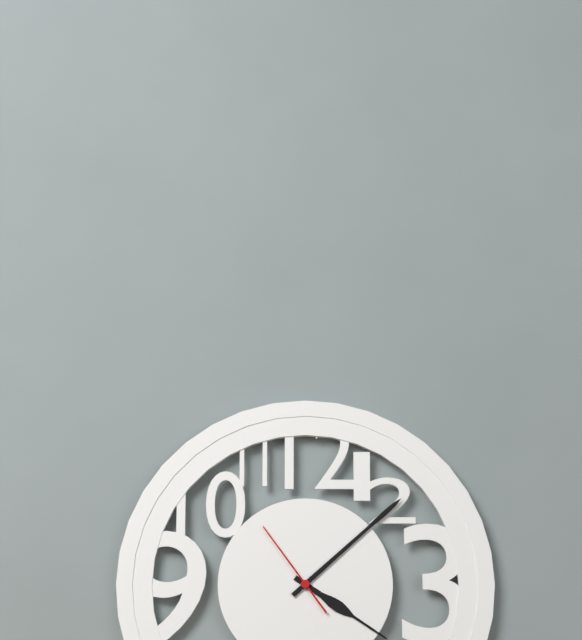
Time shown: 4:08:54
